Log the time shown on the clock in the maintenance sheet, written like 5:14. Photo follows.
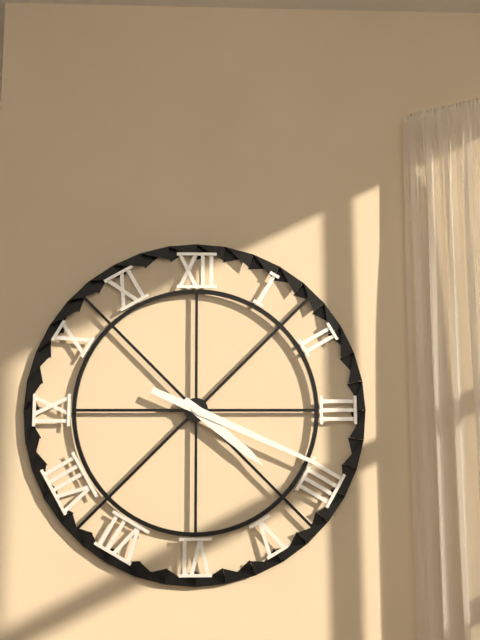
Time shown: 4:19
